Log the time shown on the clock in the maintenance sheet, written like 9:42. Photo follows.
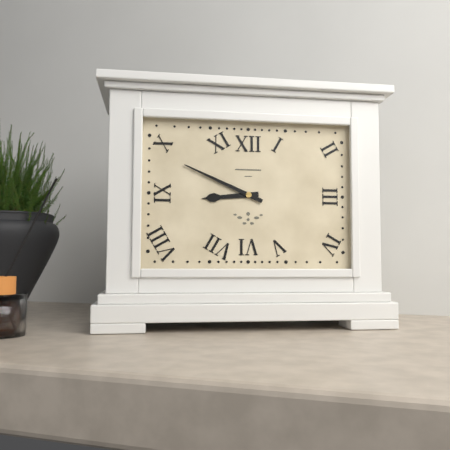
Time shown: 8:49
